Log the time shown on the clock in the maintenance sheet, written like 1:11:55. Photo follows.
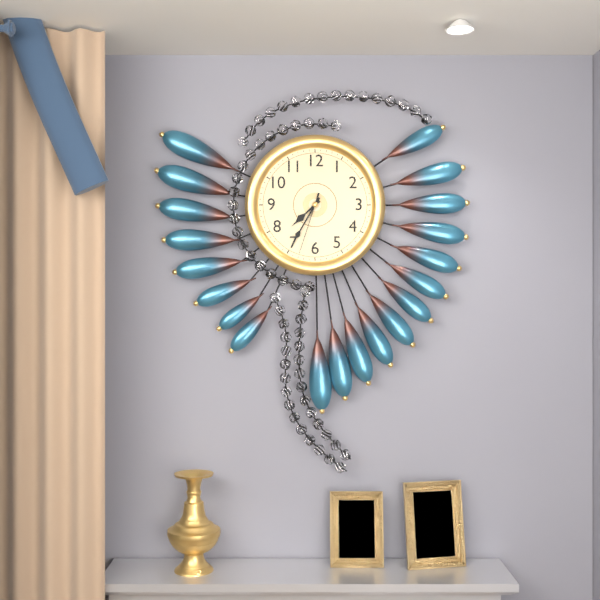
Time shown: 7:35:33
